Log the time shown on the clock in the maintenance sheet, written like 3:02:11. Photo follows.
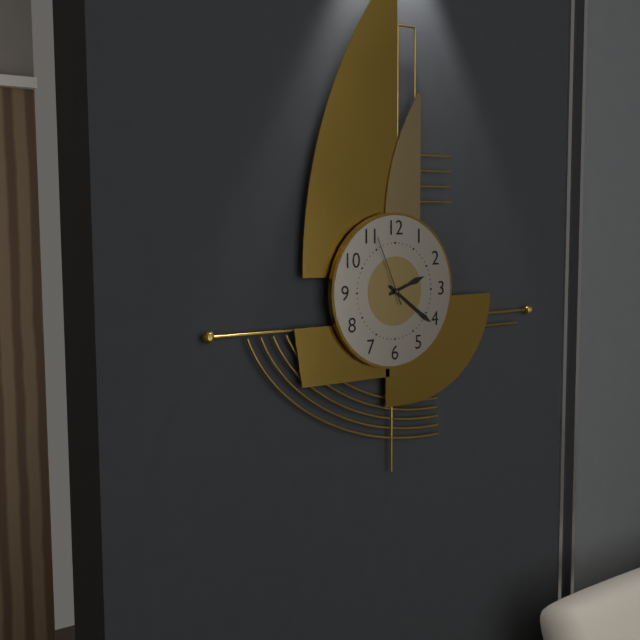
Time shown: 2:21:56
